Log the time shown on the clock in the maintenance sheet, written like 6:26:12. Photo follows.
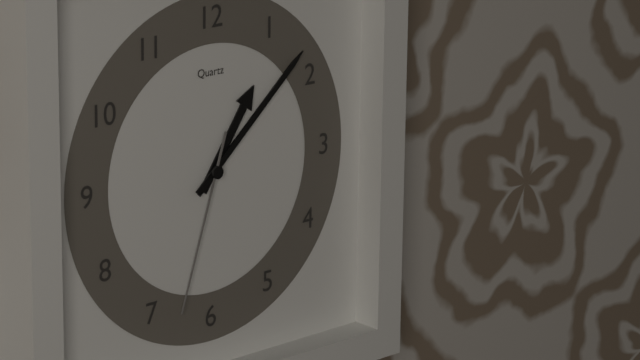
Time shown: 1:08:33
